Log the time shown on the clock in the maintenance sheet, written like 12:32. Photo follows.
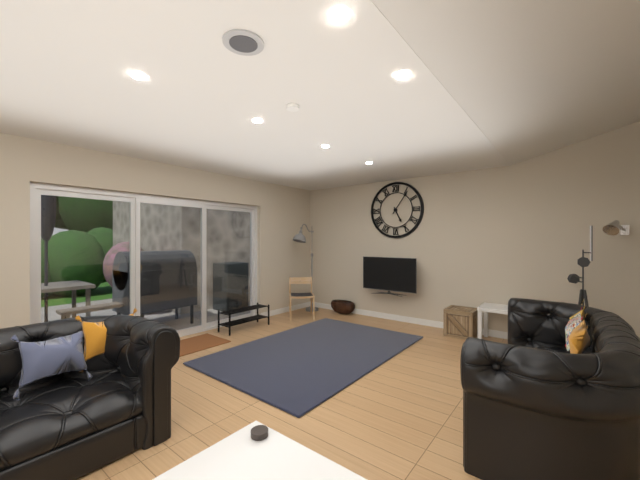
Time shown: 5:06
